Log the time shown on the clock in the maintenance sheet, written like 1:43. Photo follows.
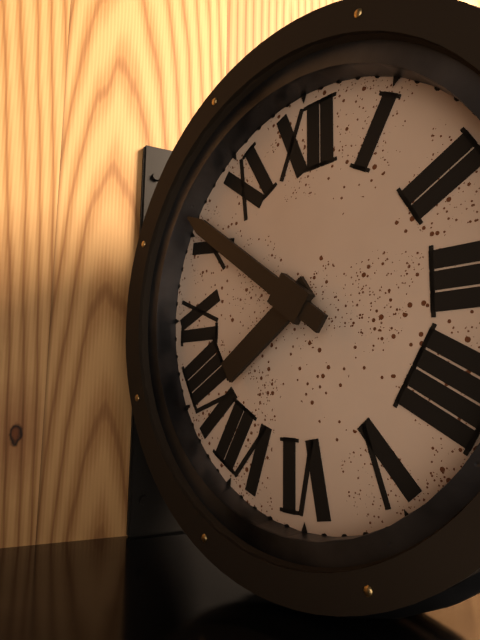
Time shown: 7:51
